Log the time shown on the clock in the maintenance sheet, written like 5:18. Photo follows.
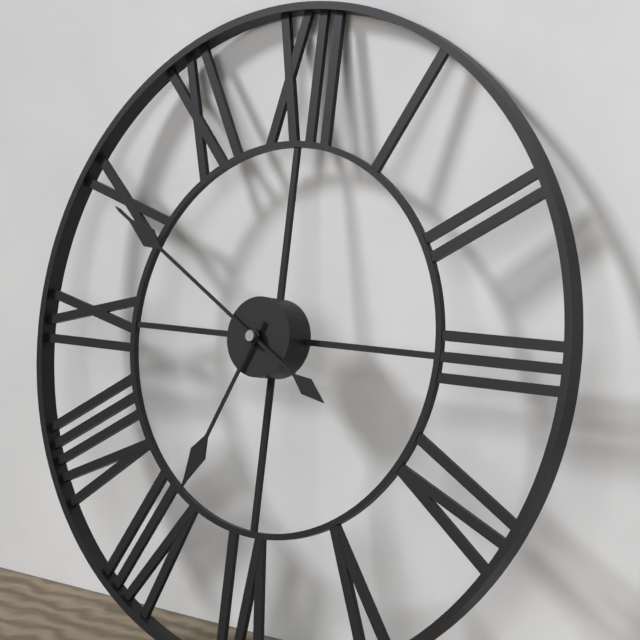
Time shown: 6:50
